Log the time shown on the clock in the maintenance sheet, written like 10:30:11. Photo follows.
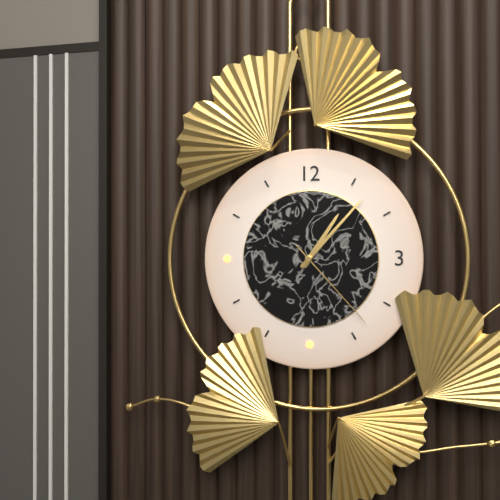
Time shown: 1:07:23
